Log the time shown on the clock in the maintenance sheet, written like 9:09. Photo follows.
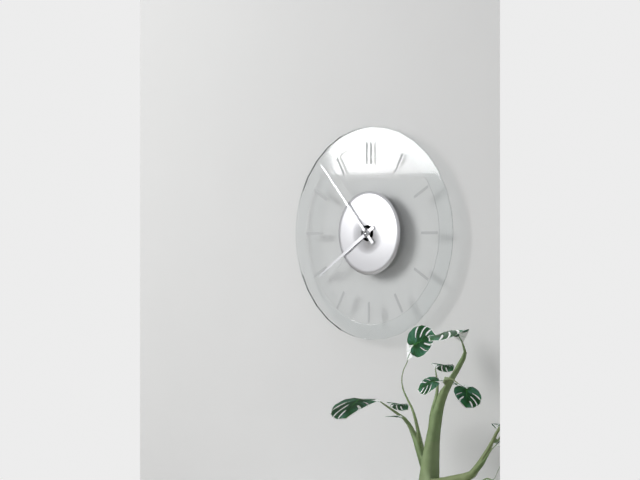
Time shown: 7:53
